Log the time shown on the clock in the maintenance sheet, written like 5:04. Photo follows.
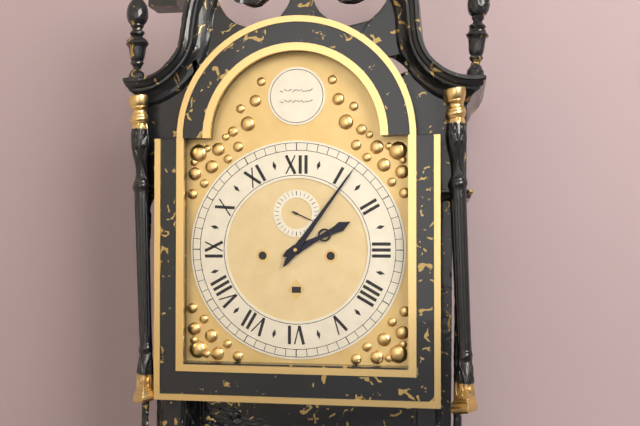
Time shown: 2:06
